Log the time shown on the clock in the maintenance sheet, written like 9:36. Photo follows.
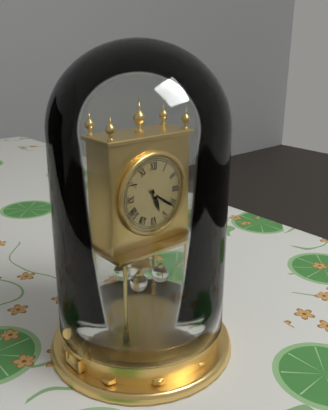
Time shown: 5:21
